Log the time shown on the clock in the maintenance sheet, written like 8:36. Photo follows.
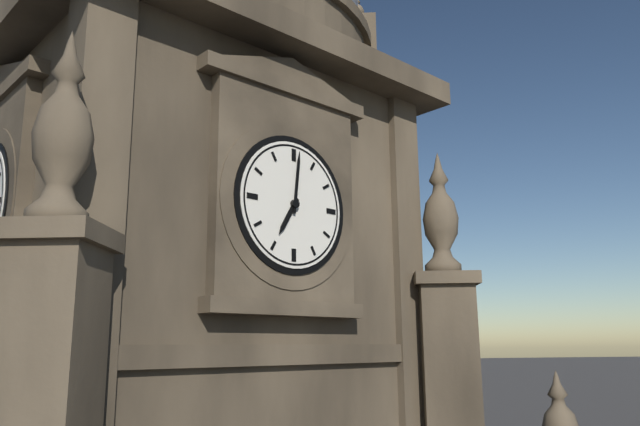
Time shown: 7:01
